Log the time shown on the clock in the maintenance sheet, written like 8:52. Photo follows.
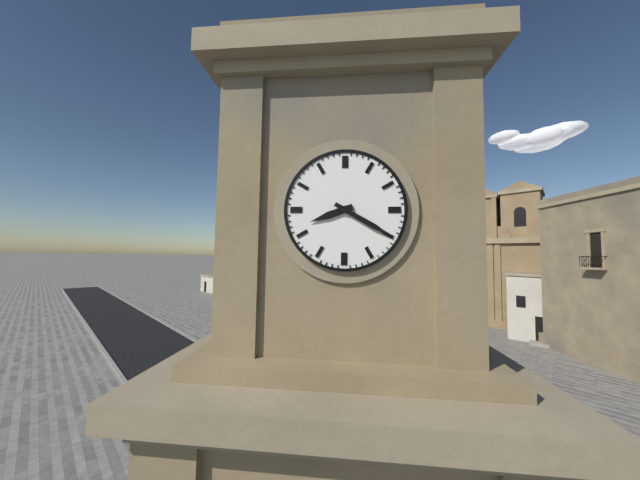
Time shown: 8:20
